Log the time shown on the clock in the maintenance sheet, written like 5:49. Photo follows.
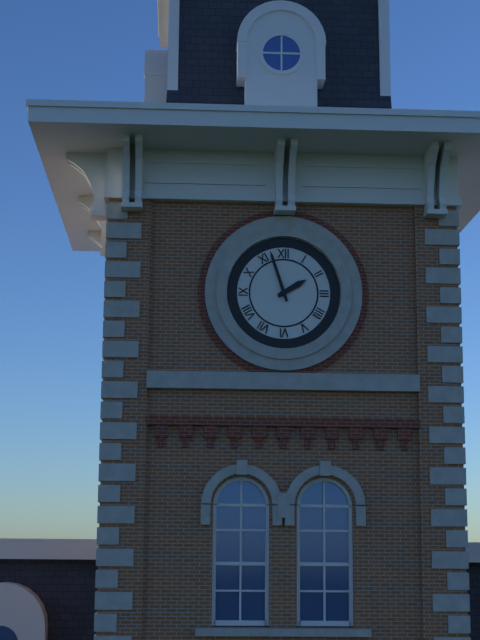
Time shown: 1:57
